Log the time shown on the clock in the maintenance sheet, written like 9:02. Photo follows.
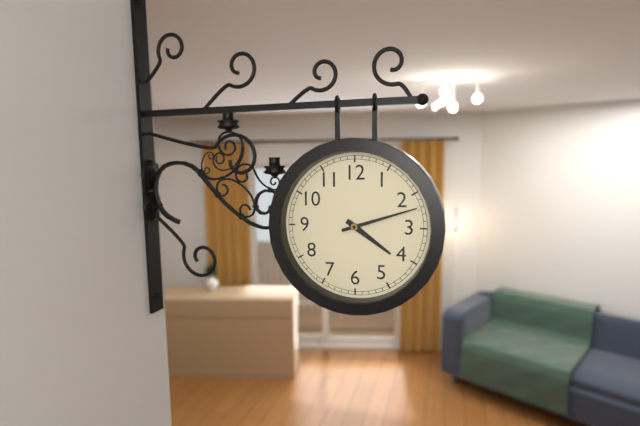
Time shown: 4:12
